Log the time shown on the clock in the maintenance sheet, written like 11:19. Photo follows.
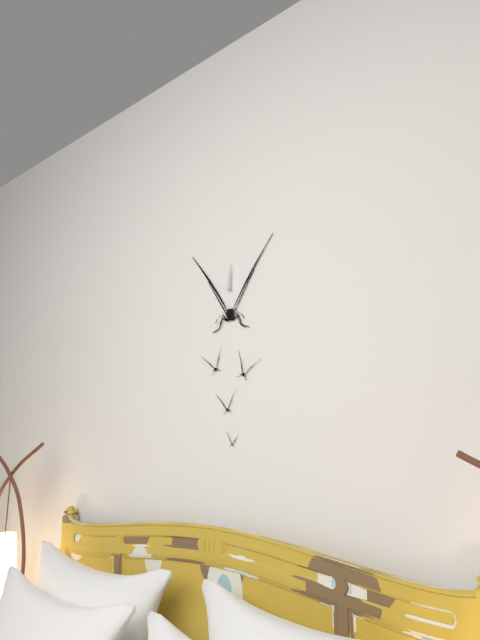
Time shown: 12:01
